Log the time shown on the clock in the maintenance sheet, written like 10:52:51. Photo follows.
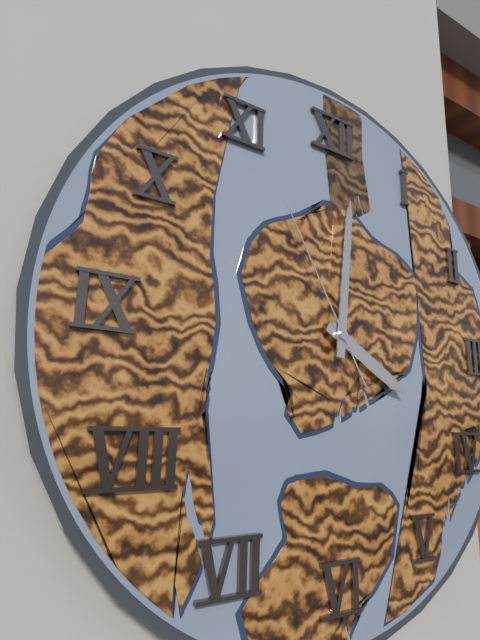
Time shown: 4:01:55
